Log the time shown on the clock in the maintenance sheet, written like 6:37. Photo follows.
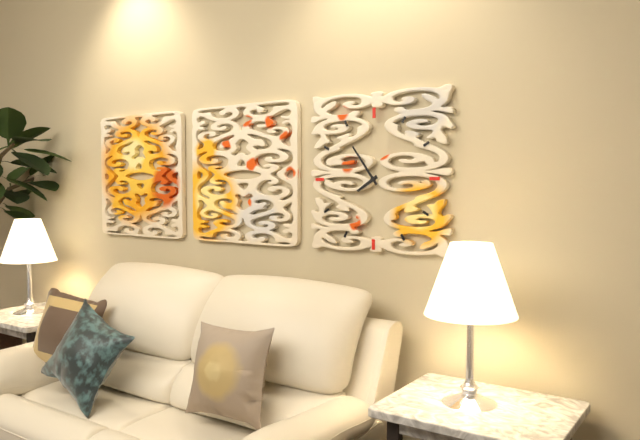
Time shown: 7:54
